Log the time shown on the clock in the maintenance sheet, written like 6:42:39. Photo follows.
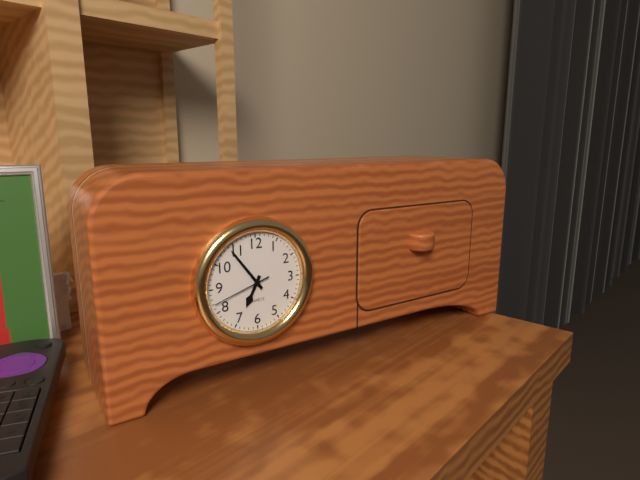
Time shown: 6:54:42
